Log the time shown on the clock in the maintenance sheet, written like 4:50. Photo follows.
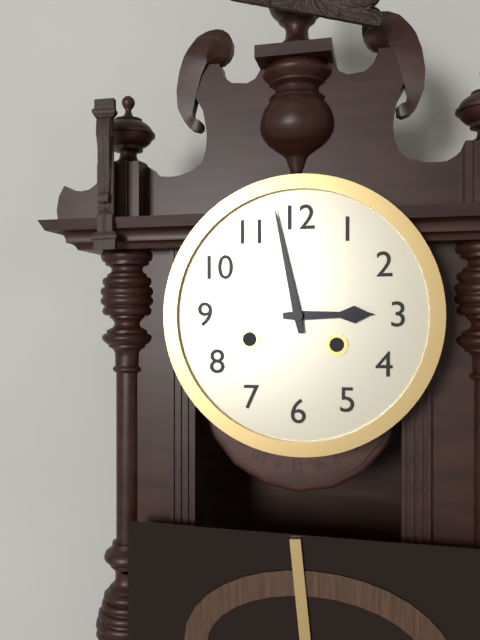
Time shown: 2:58
